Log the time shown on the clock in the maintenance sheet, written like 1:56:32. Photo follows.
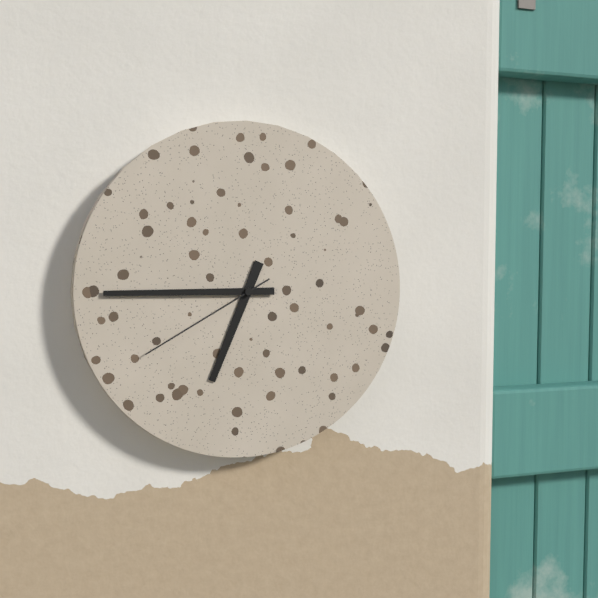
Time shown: 6:45:40
